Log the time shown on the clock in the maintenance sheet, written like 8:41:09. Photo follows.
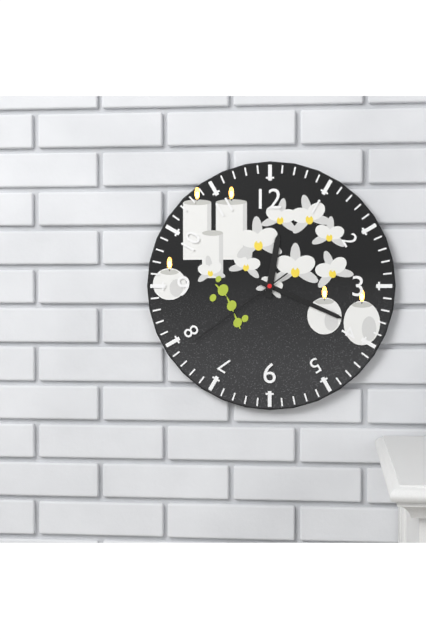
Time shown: 12:19:39
